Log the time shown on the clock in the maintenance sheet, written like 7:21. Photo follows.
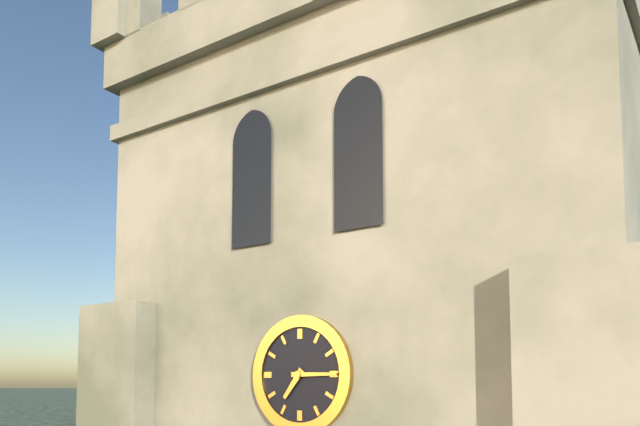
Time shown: 7:15
